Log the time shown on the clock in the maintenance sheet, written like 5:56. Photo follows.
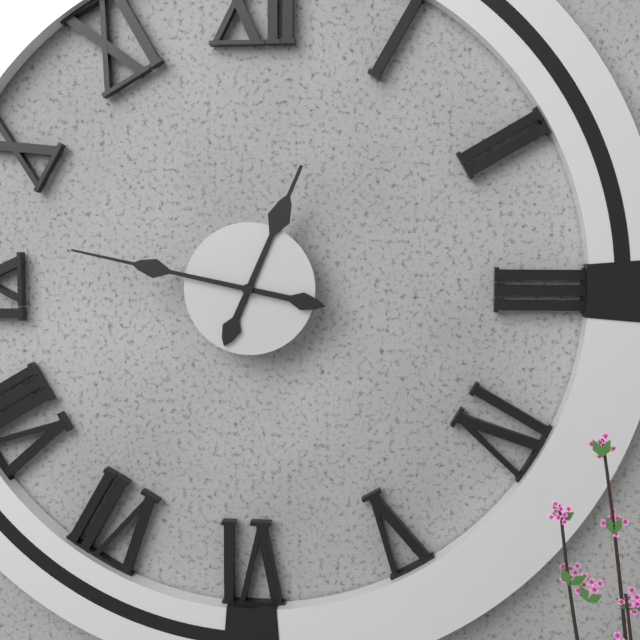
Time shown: 12:47
